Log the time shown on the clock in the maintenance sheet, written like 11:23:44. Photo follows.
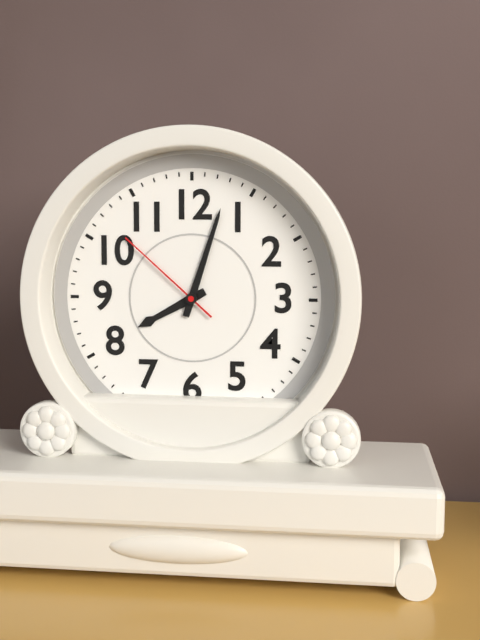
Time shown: 8:03:52
